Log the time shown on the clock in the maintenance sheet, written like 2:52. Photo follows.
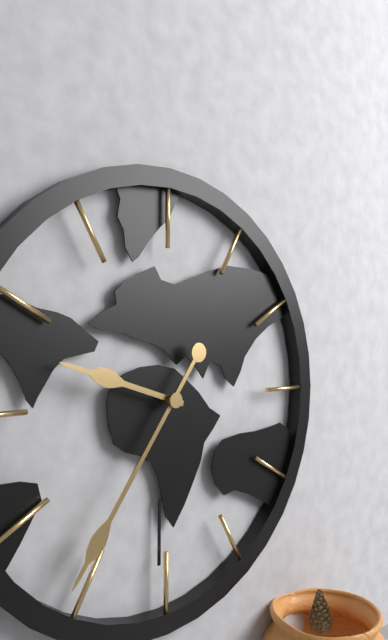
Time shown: 9:36
